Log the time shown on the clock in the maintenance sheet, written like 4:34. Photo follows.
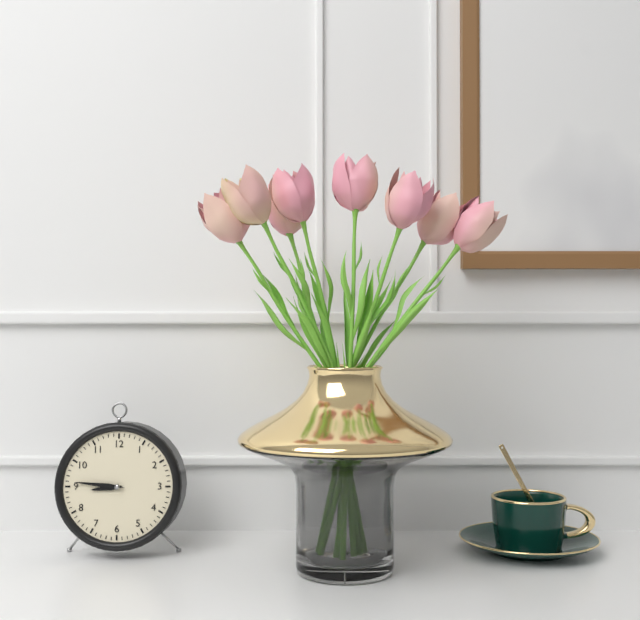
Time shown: 8:46
